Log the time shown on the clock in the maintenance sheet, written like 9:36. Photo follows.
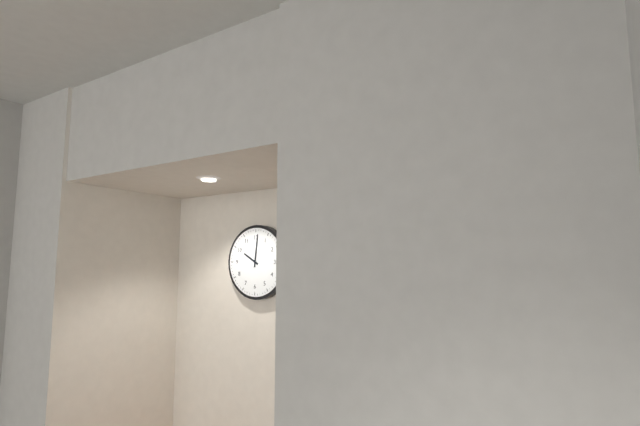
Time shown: 10:01
